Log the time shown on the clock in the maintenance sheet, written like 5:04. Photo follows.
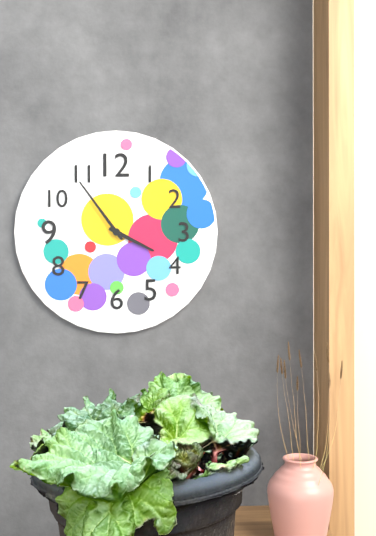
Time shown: 3:54
